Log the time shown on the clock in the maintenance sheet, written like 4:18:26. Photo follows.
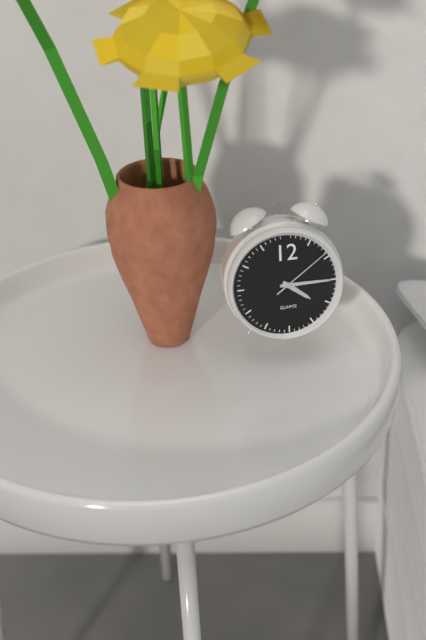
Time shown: 4:15:09
